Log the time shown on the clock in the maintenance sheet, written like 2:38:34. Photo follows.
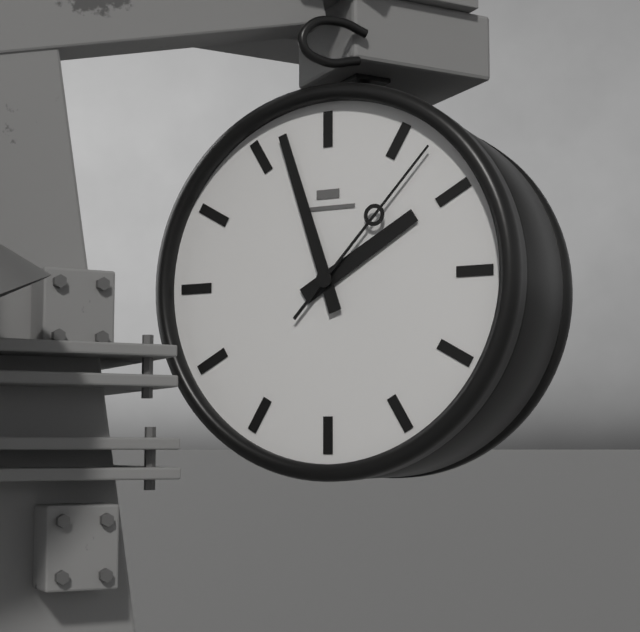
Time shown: 1:57:07
